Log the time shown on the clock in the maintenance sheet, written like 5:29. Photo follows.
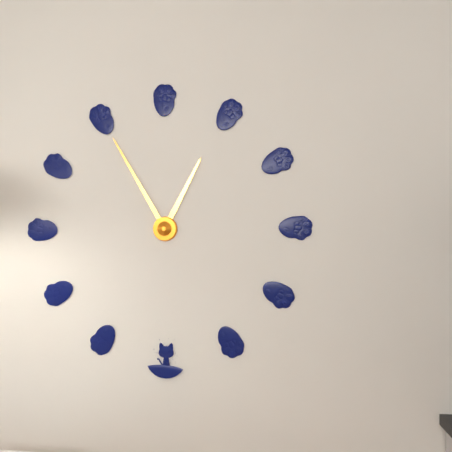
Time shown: 12:55
